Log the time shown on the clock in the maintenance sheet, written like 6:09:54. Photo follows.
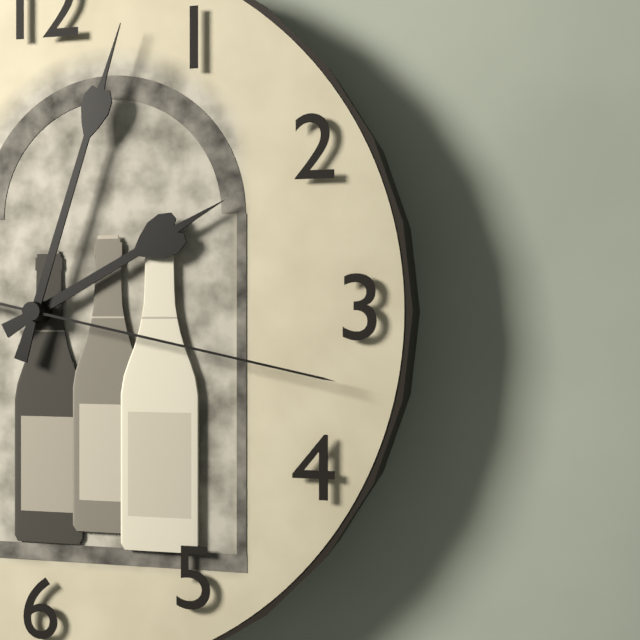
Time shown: 2:03:17
